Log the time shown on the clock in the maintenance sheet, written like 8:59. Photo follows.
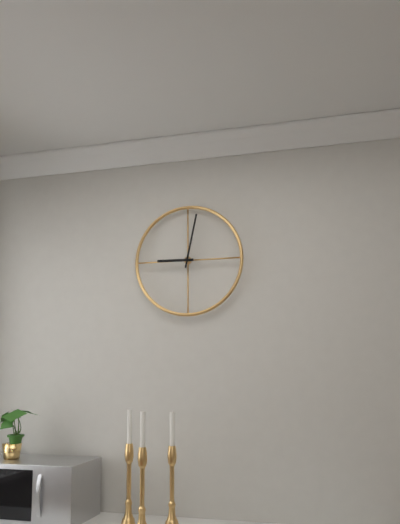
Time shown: 9:02
